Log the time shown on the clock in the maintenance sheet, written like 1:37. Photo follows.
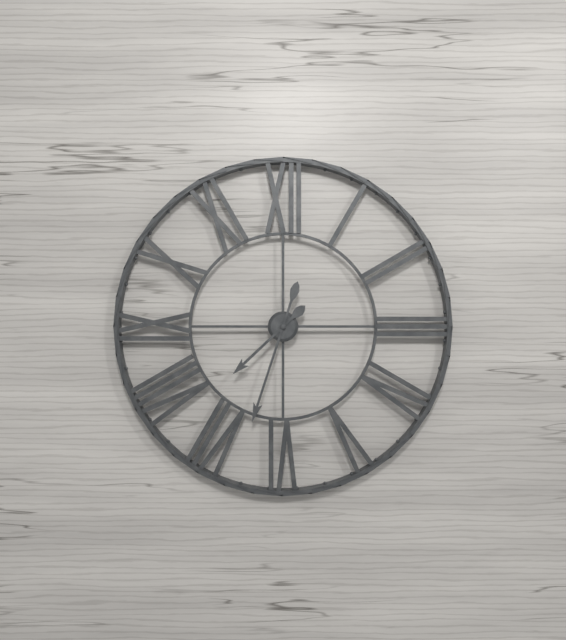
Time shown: 7:33
